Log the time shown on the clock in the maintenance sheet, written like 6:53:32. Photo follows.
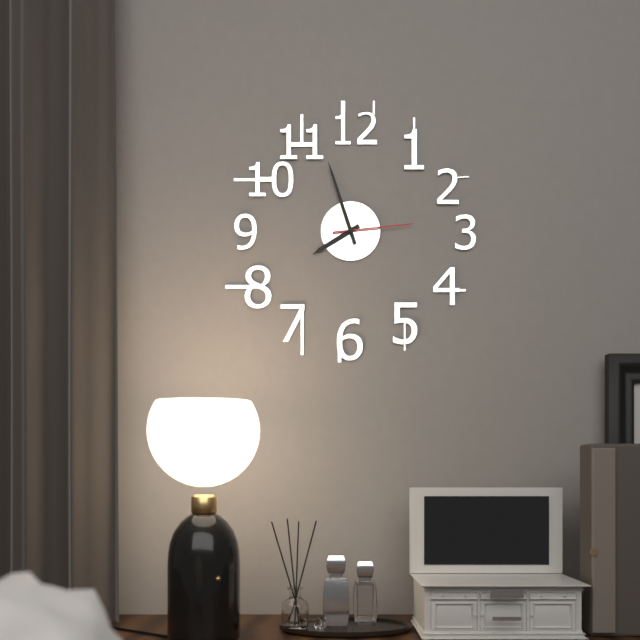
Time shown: 7:57:14
